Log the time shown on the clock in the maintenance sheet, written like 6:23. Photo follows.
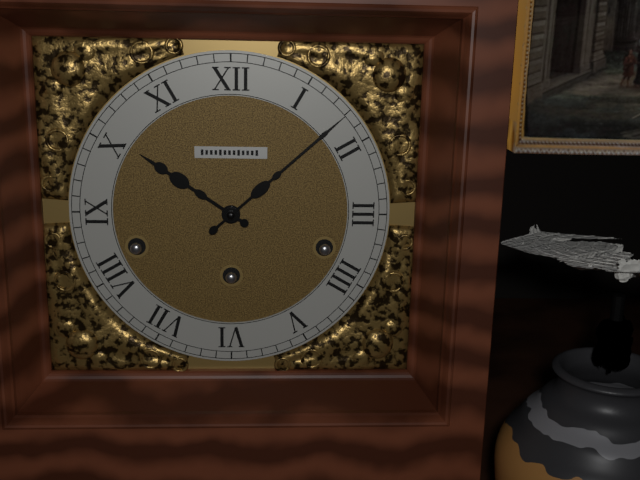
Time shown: 10:08
